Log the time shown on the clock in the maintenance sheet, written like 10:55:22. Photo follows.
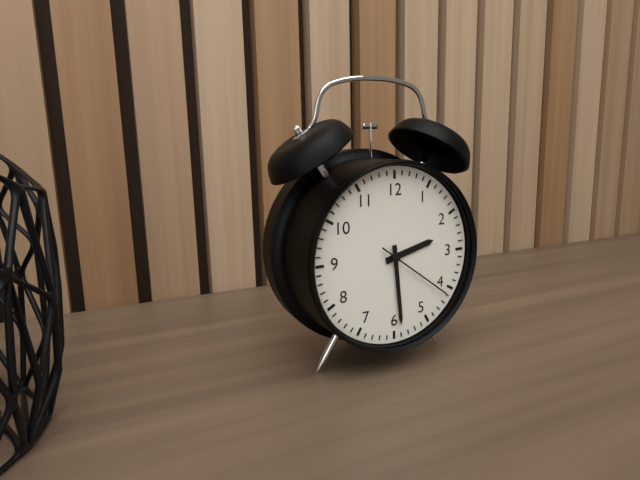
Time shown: 2:29:21
